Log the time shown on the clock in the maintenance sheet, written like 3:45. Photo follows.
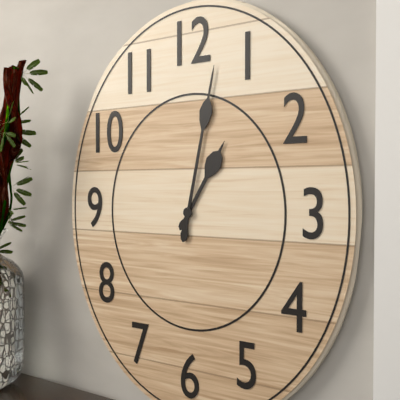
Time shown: 1:02
